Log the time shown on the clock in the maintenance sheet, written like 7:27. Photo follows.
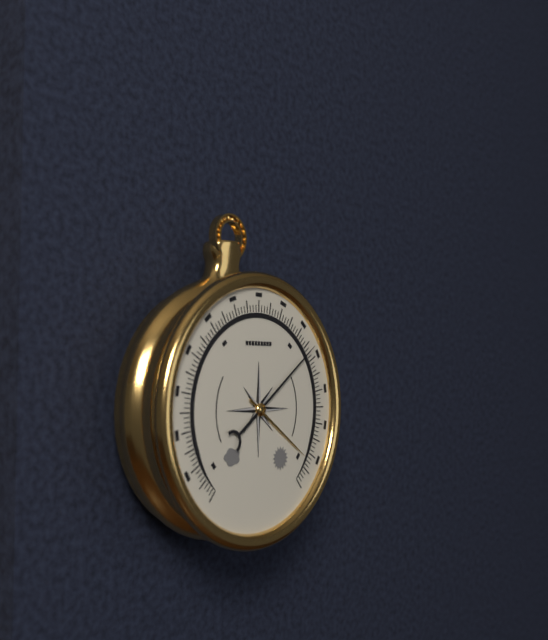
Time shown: 4:09
